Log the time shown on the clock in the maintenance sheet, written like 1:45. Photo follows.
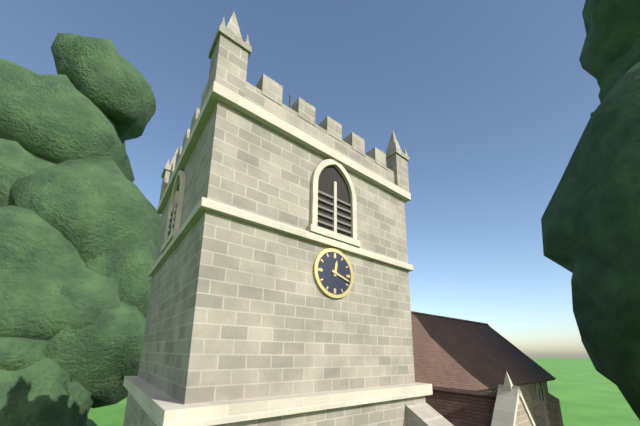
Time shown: 12:18
